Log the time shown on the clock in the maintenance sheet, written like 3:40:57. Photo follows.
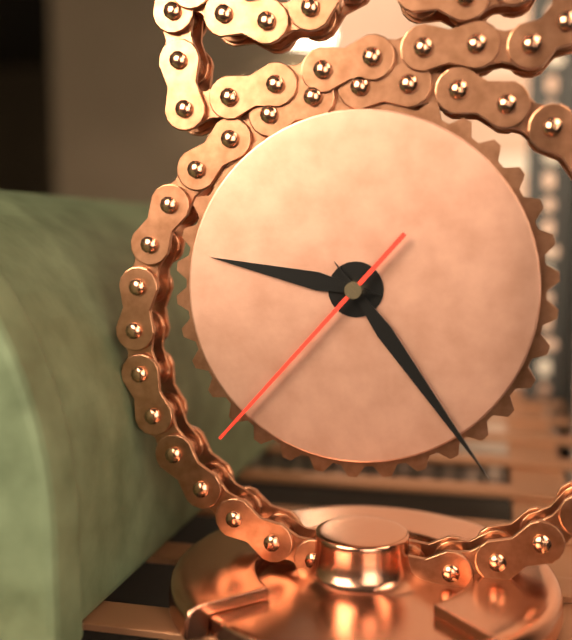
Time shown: 9:24:37
